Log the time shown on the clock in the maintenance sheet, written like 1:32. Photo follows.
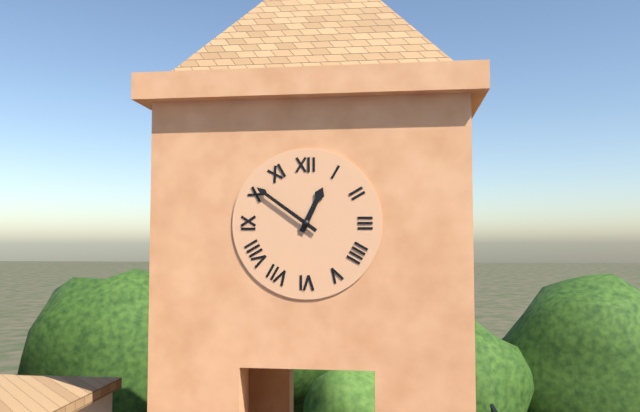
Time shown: 12:51
